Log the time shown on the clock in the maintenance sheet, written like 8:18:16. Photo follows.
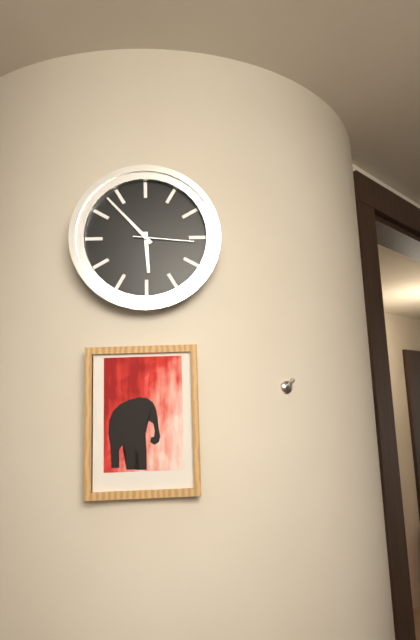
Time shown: 5:53:16
